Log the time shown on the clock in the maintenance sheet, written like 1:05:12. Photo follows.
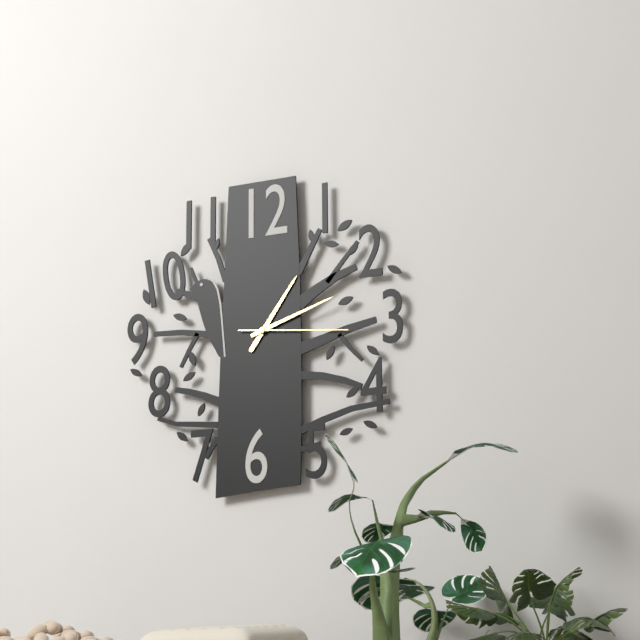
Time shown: 1:12:16
